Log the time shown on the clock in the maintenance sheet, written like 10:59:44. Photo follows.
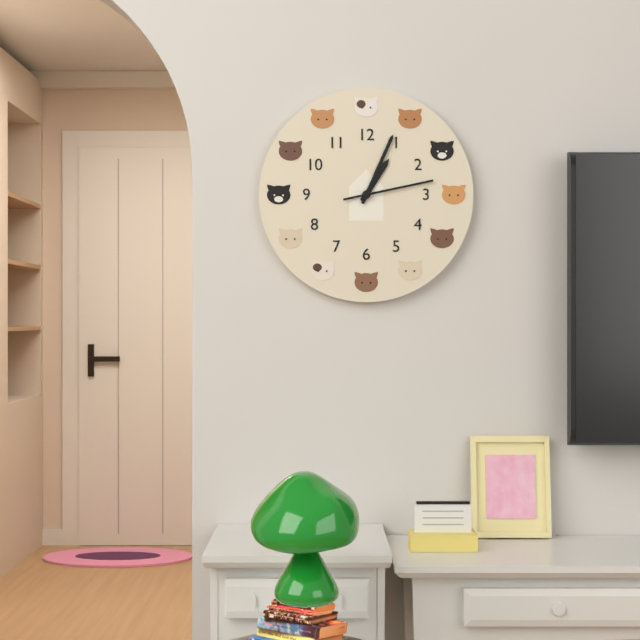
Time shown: 1:04:13
